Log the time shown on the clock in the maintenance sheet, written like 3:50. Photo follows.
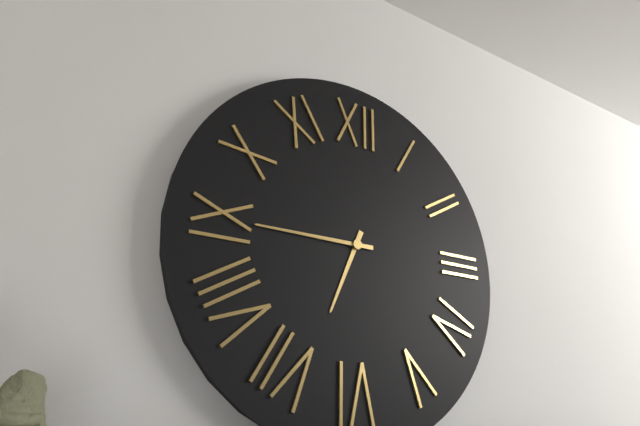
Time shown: 6:45
